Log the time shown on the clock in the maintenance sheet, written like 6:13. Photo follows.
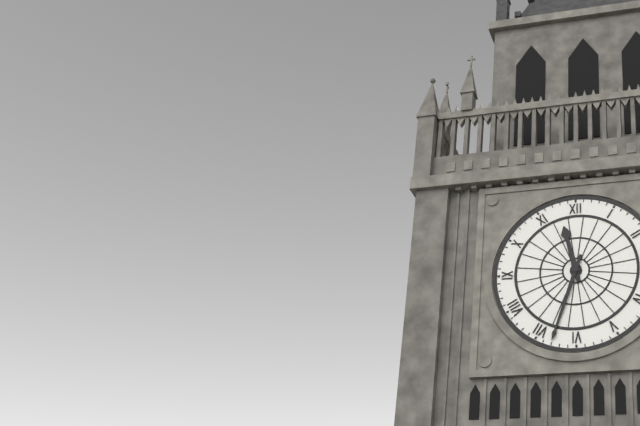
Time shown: 11:33
